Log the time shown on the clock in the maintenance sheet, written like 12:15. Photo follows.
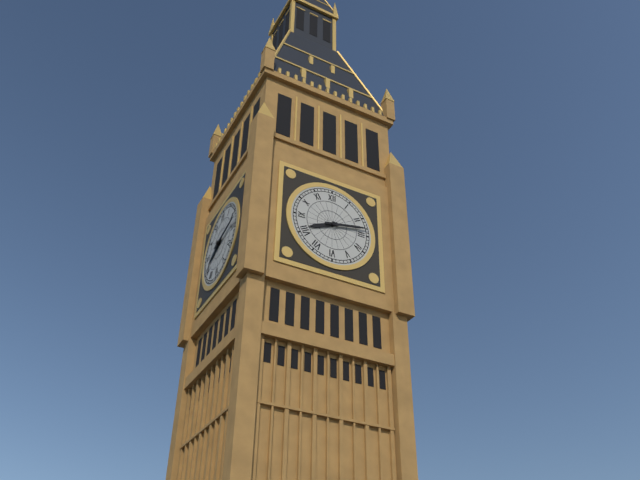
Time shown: 8:13
